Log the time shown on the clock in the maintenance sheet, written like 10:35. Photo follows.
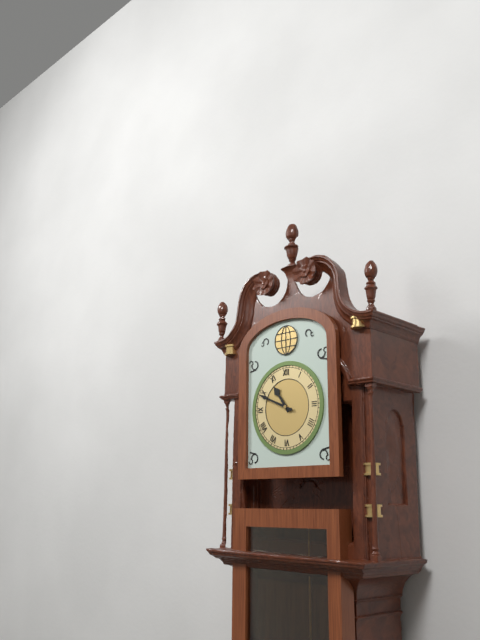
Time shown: 10:49
